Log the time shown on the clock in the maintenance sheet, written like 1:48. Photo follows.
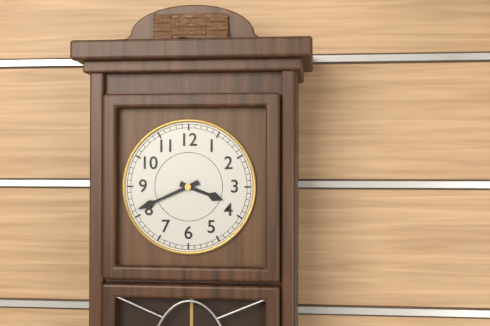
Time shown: 3:41
